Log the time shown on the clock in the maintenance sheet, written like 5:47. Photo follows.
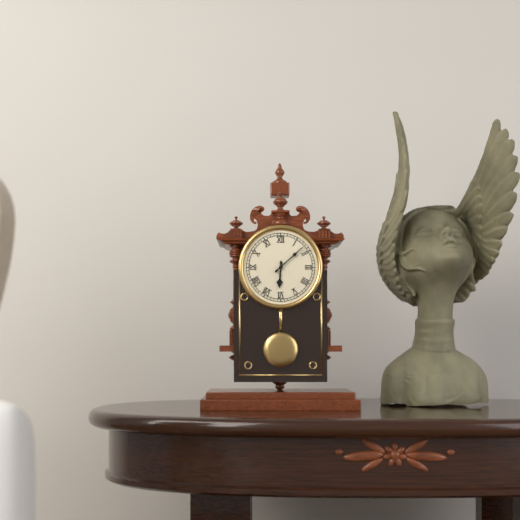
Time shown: 6:08
